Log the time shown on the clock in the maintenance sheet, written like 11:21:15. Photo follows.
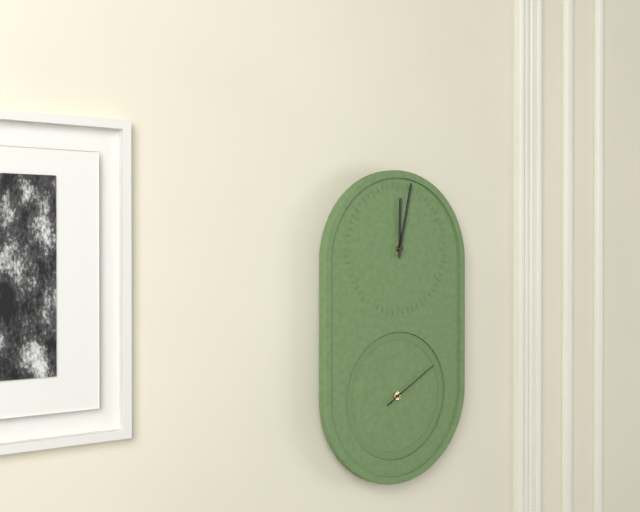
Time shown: 12:02:10
